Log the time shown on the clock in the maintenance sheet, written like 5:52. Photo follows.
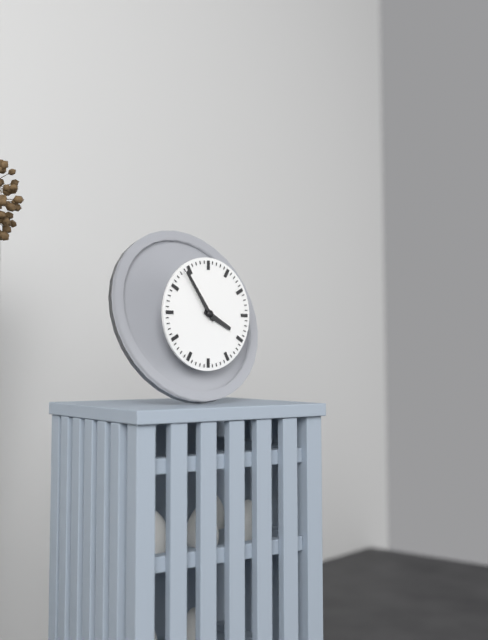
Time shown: 3:54
